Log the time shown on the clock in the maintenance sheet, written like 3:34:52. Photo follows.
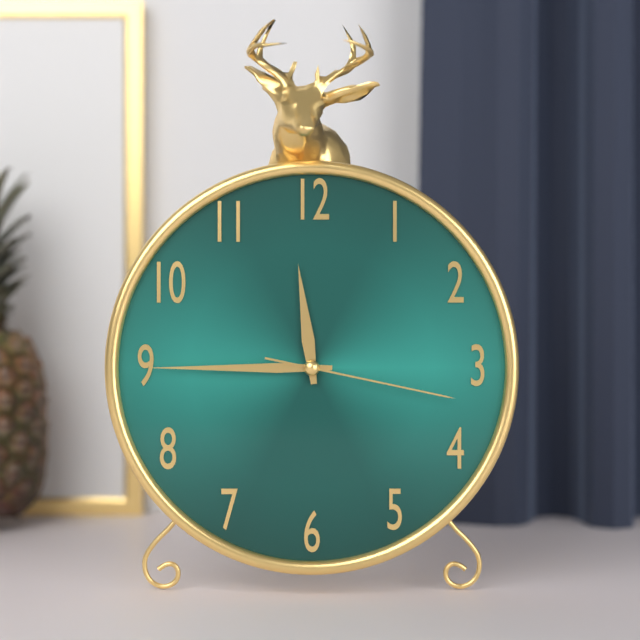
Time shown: 11:45:17
